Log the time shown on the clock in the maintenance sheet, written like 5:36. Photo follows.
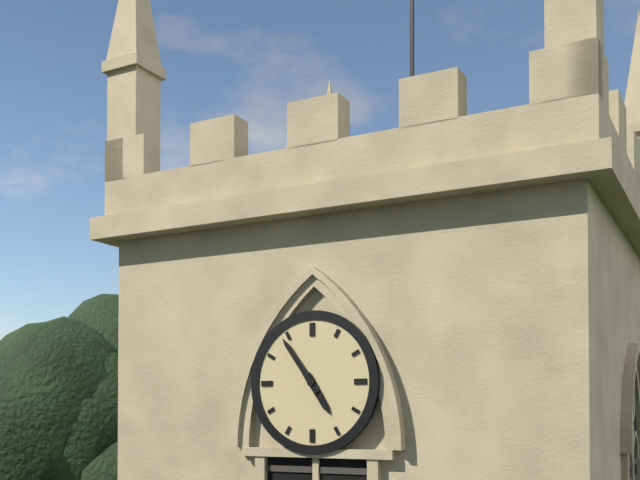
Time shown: 4:54
